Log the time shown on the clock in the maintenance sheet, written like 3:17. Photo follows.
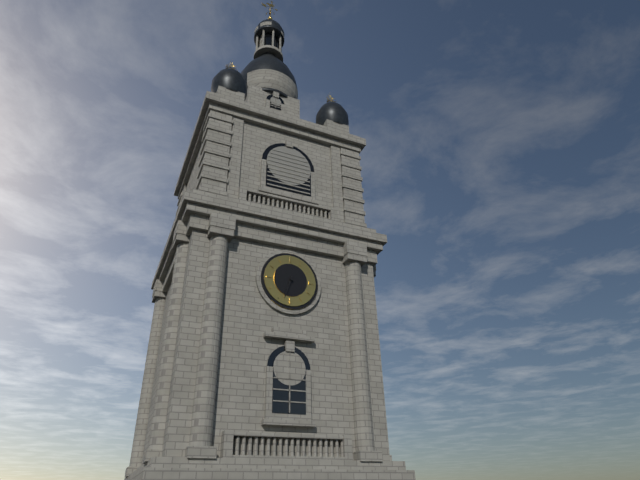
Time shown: 6:33
